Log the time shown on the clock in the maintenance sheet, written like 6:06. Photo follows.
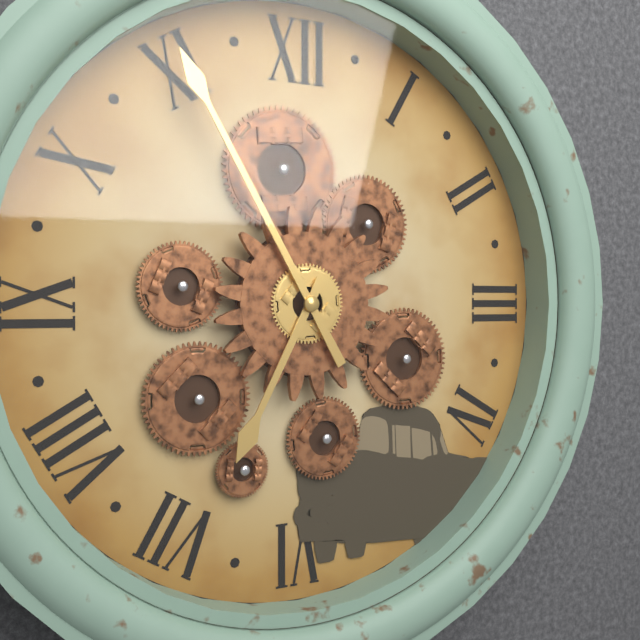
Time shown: 6:55
